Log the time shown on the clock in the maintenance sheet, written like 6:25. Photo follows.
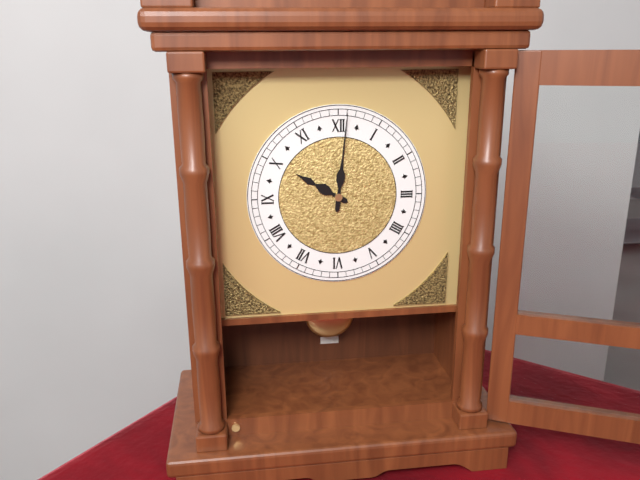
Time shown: 10:01
